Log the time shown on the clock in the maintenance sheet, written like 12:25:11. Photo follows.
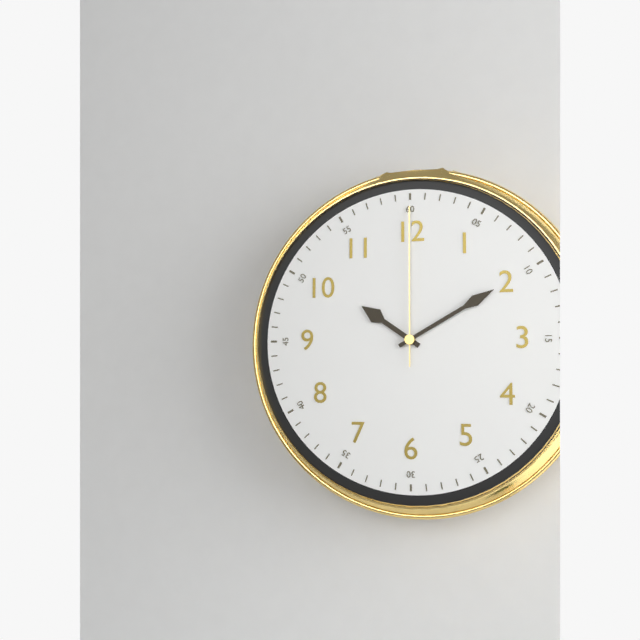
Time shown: 10:10:00
